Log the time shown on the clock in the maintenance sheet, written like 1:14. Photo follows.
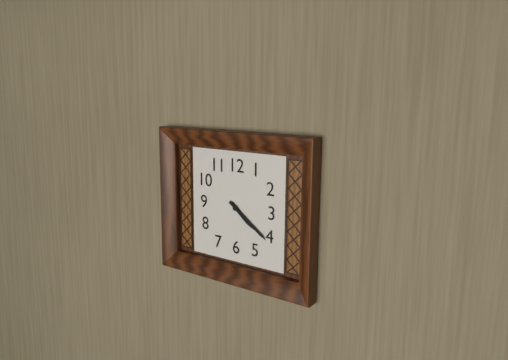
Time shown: 4:21
